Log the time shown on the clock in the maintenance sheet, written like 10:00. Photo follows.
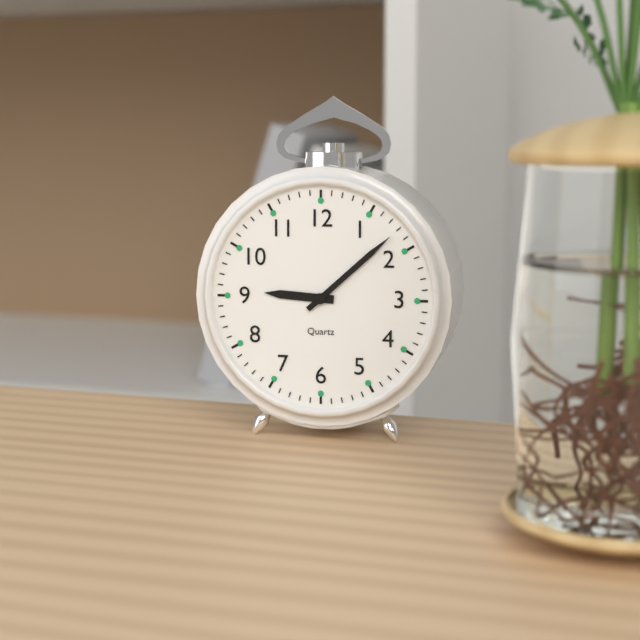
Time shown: 9:08
